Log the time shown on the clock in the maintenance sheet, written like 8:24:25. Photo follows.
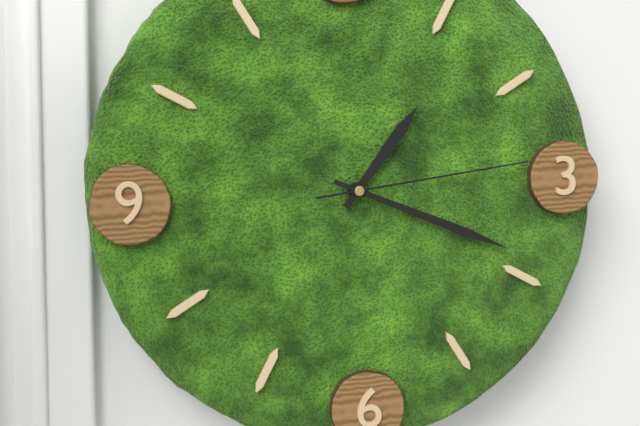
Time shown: 1:19:14
